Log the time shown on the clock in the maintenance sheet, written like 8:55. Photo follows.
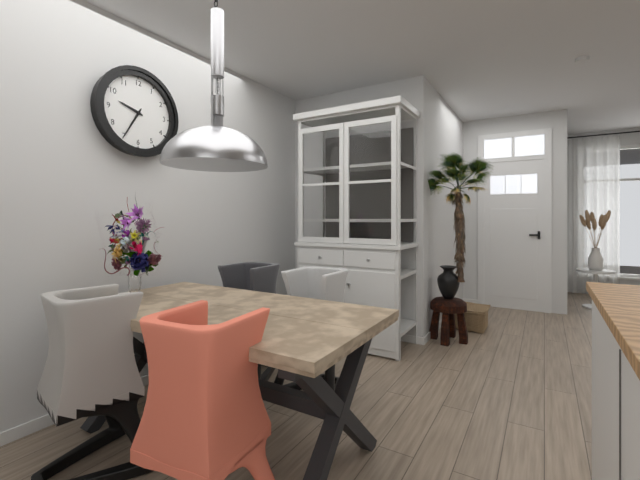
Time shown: 9:35
